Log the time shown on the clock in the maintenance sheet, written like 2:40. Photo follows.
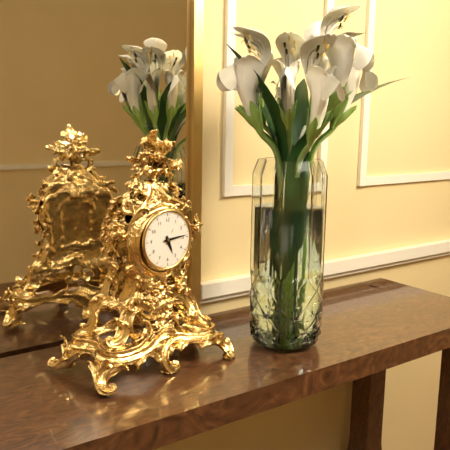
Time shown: 5:14
